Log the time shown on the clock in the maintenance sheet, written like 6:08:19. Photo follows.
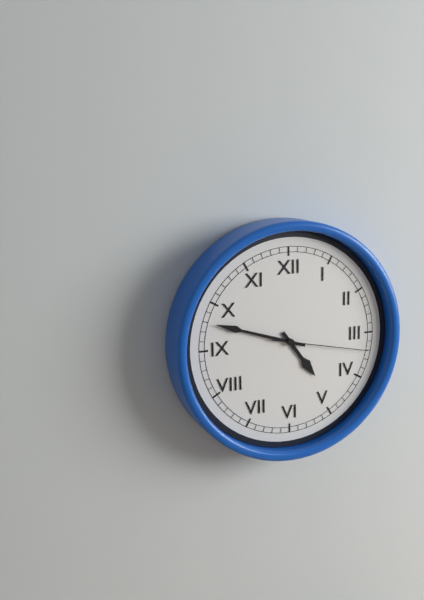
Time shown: 4:48:17
